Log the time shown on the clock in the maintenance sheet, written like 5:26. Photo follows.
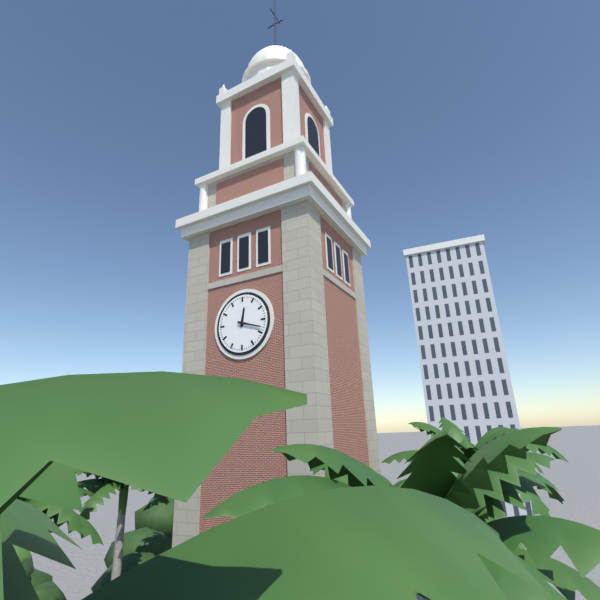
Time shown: 12:18
